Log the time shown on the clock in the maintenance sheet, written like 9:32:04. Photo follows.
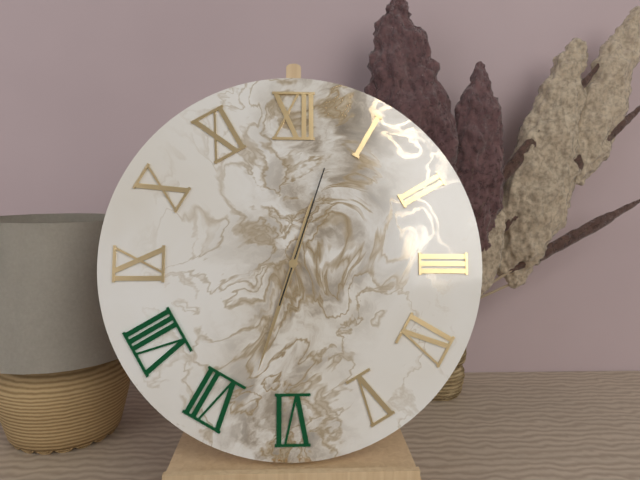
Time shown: 12:33:03
